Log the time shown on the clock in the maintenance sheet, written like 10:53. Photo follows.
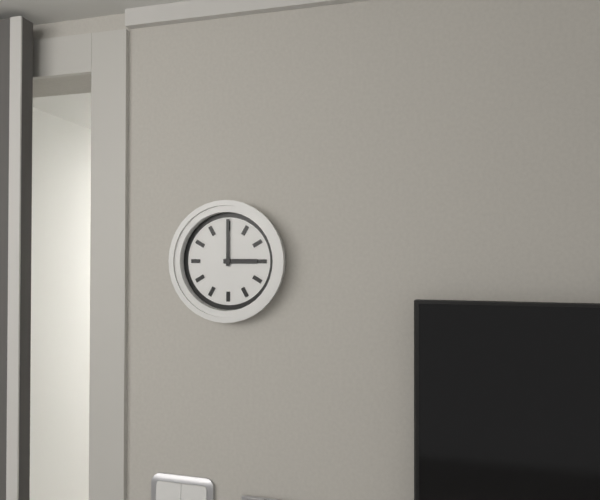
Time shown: 3:00
